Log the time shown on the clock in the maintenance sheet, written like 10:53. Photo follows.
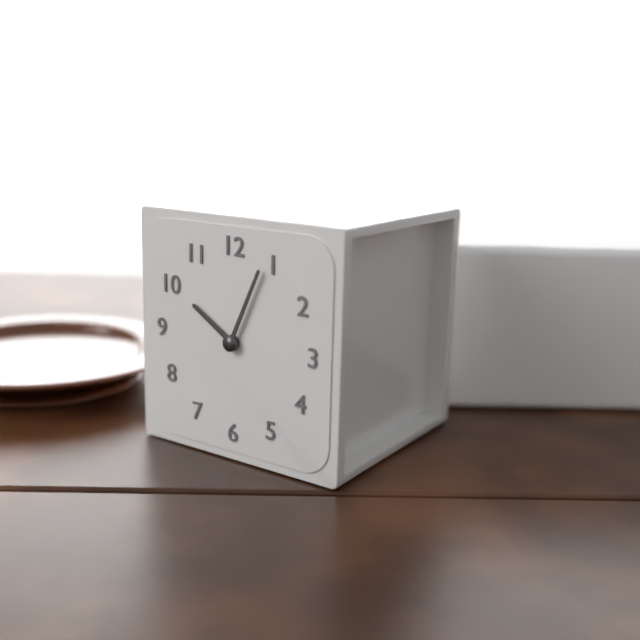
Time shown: 10:04
